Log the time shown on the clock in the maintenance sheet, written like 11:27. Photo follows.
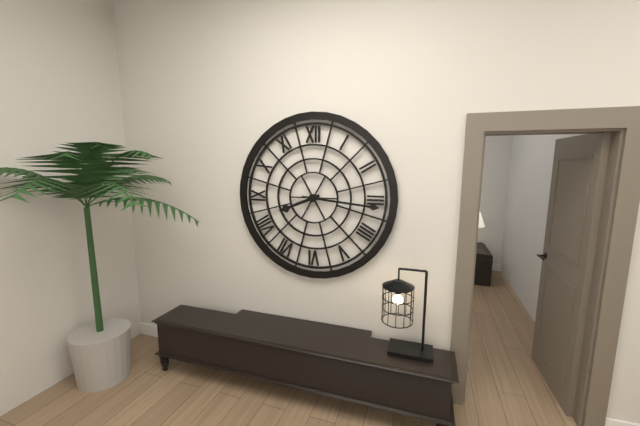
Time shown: 8:16
